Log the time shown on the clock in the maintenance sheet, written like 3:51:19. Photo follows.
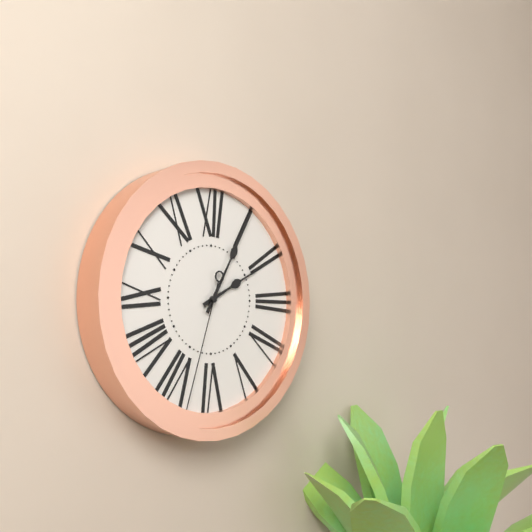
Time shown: 2:05:33
